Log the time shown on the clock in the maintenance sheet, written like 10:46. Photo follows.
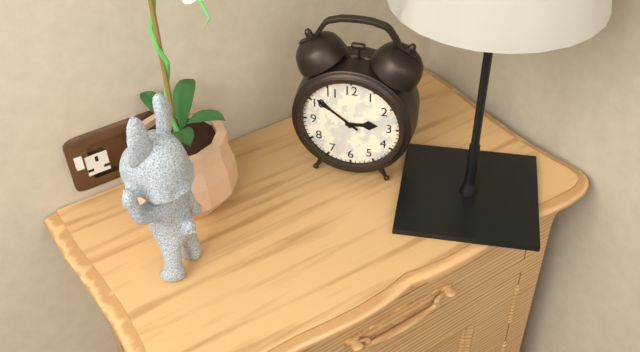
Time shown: 2:51
